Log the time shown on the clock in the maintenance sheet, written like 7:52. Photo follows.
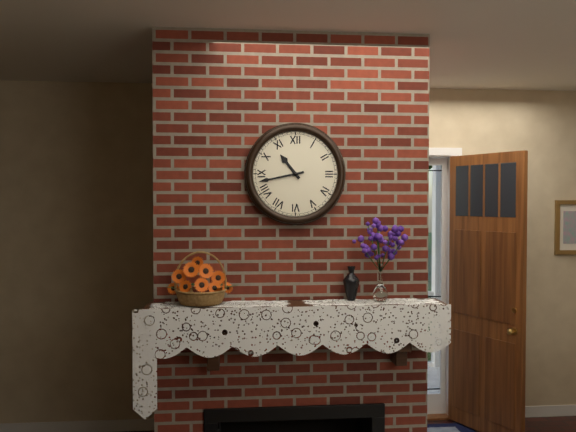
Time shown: 10:43
